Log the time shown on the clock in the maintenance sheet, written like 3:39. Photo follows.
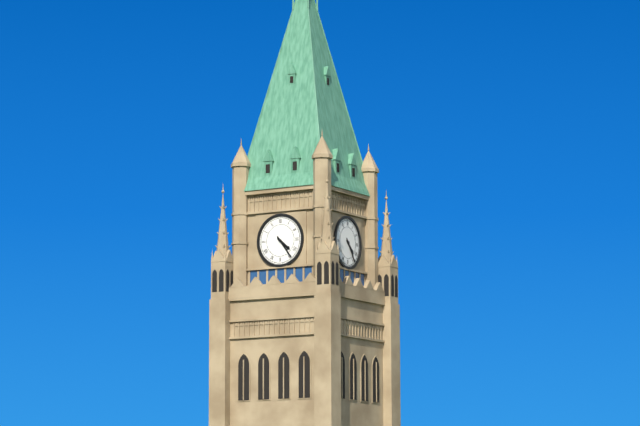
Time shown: 4:24
